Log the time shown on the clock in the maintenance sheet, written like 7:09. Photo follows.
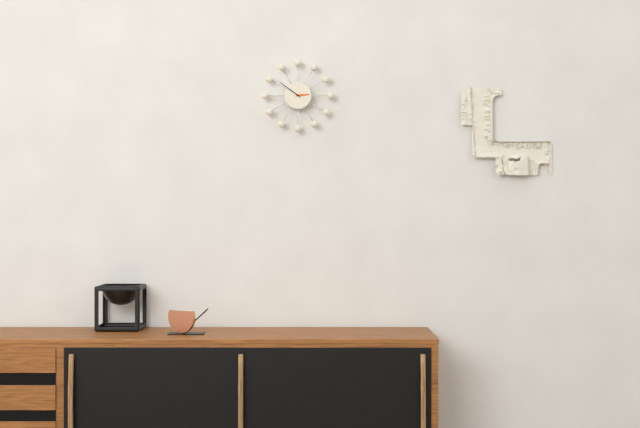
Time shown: 2:51
